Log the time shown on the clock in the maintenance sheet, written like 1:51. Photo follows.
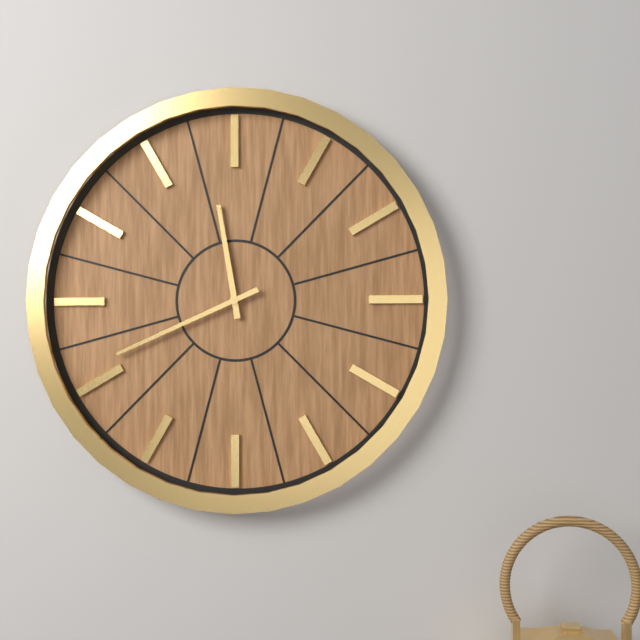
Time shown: 11:41
